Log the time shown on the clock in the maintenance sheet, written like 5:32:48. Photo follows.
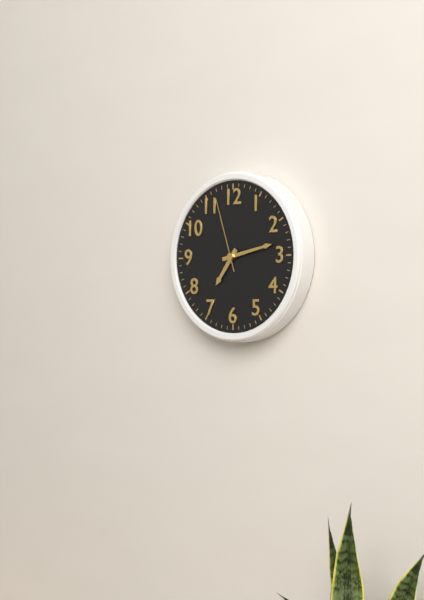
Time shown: 7:13:57
